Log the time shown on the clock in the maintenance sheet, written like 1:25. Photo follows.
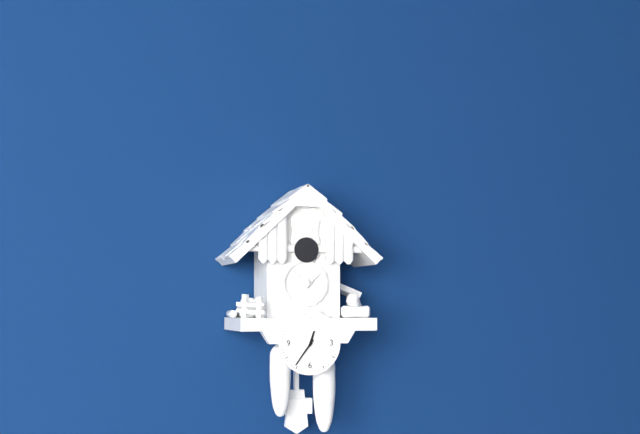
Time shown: 12:36
